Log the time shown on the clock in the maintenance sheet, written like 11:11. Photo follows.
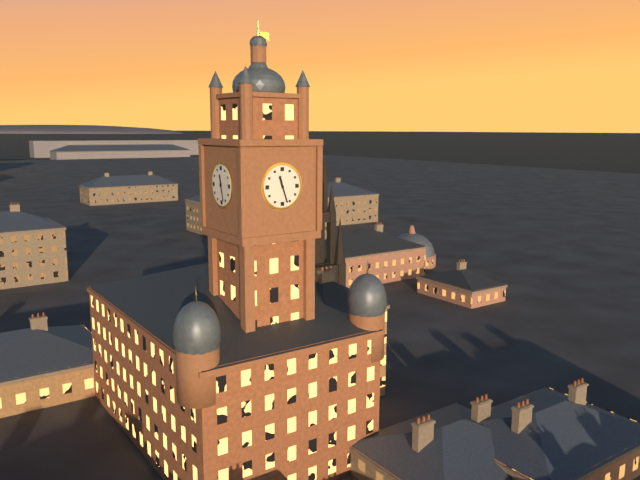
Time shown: 11:27
